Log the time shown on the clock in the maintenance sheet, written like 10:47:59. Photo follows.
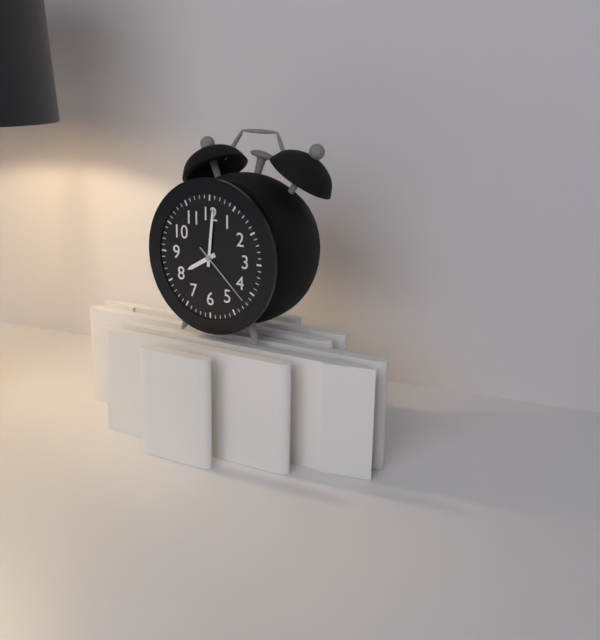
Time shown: 8:01:22
